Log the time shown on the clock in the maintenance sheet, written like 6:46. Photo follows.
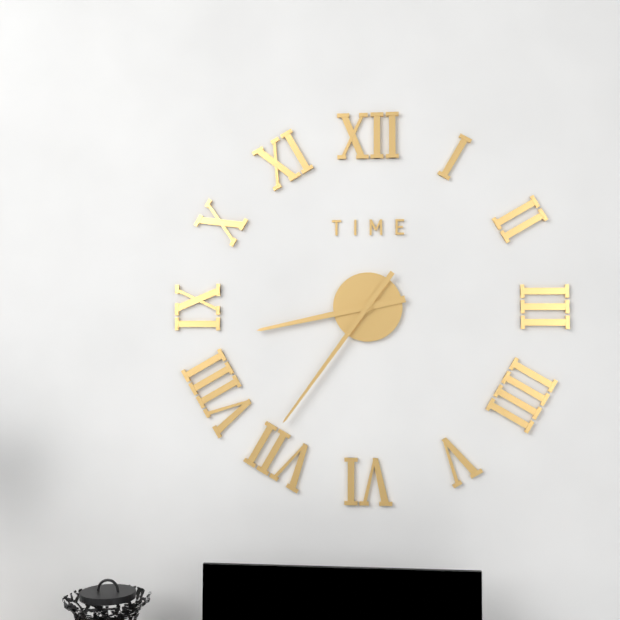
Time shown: 8:36
